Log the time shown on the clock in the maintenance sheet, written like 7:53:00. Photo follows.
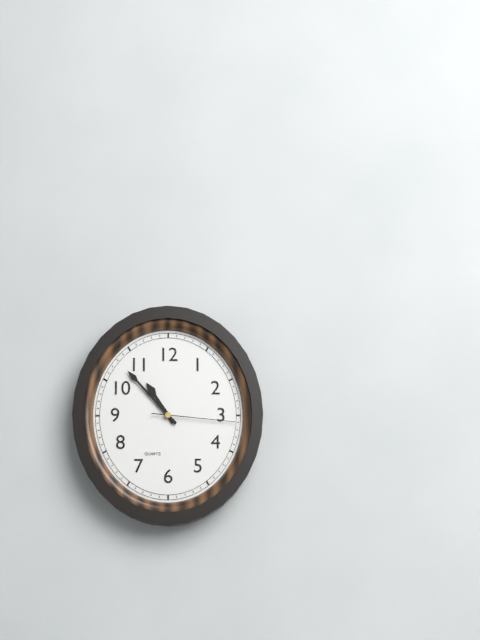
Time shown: 10:53:16
